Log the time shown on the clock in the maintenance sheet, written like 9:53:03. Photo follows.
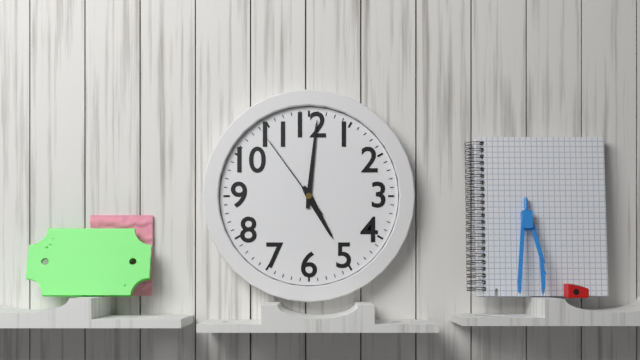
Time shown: 5:01:54
